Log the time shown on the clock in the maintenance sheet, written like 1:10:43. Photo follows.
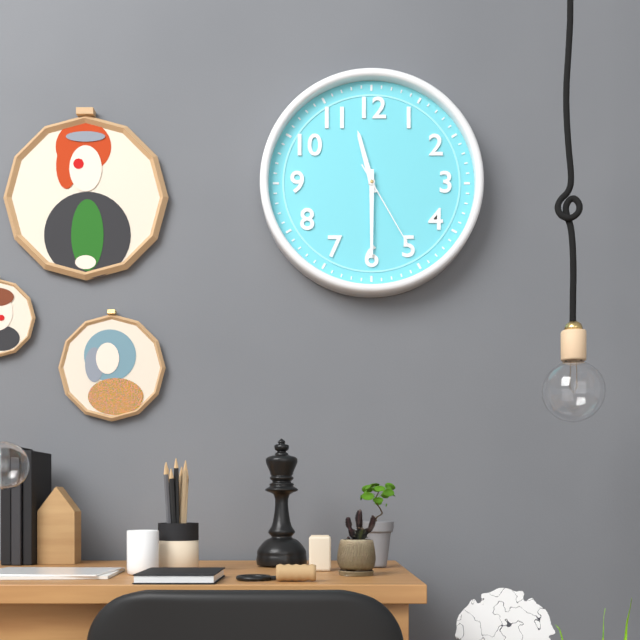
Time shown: 11:30:25
